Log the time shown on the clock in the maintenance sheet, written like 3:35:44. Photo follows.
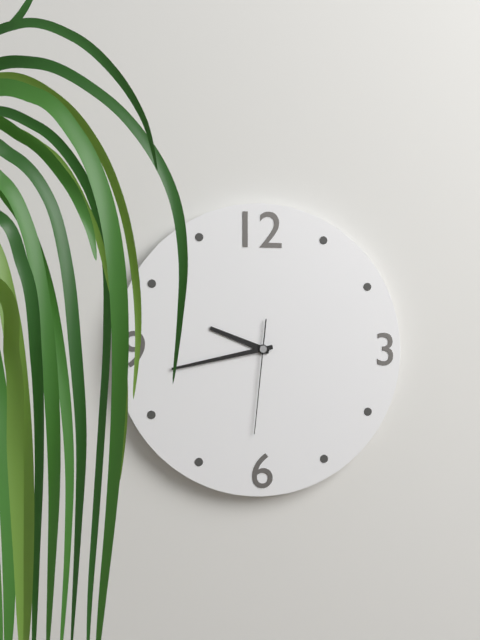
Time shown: 9:43:31
